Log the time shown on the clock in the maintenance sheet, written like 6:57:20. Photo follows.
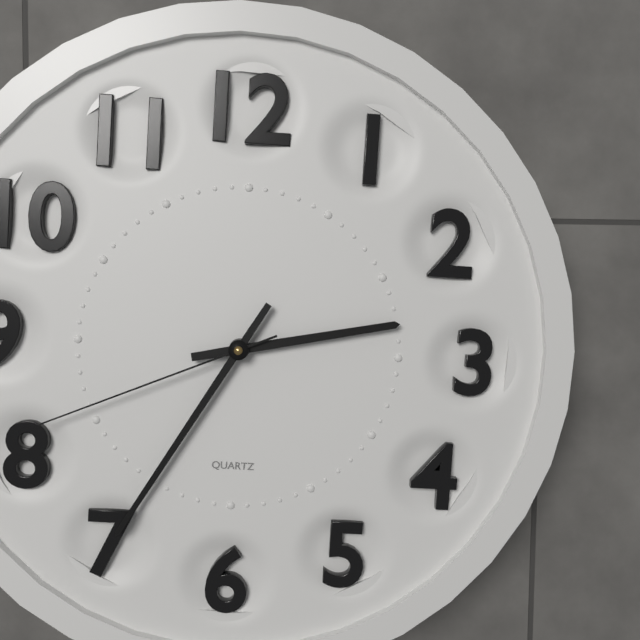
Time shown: 2:35:41
